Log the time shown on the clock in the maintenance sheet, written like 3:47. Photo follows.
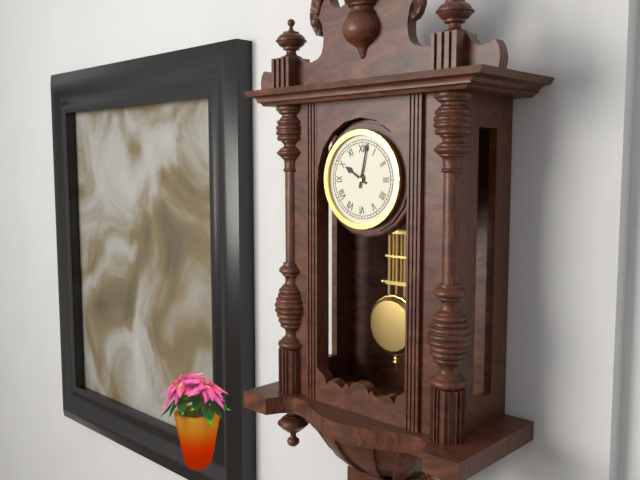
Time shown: 10:02
